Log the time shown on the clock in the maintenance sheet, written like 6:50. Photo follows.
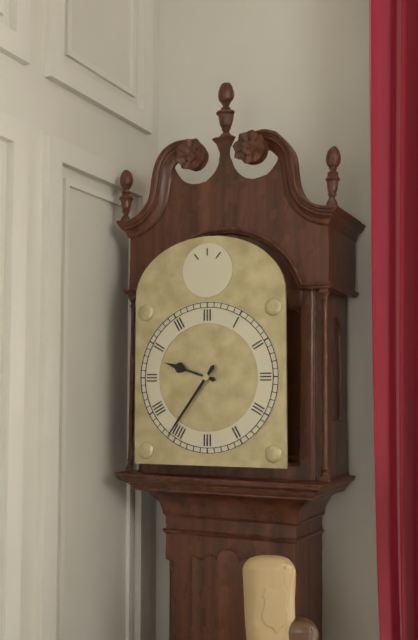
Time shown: 9:36
